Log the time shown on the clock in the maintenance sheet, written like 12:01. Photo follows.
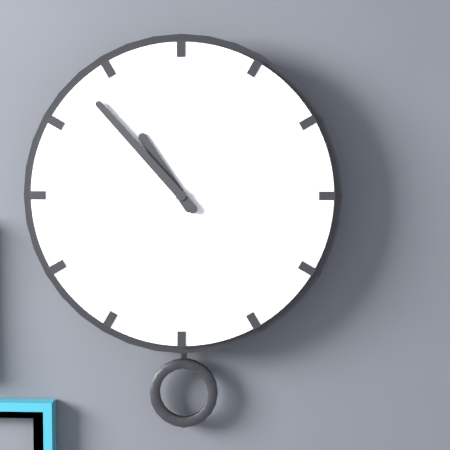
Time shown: 10:53
